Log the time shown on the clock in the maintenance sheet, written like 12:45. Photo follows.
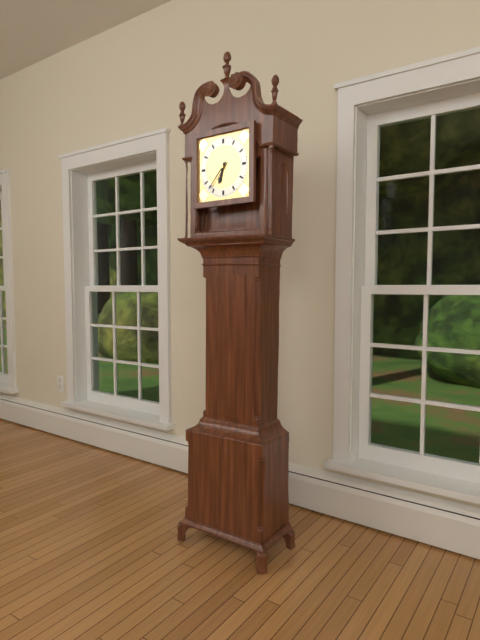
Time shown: 6:37
